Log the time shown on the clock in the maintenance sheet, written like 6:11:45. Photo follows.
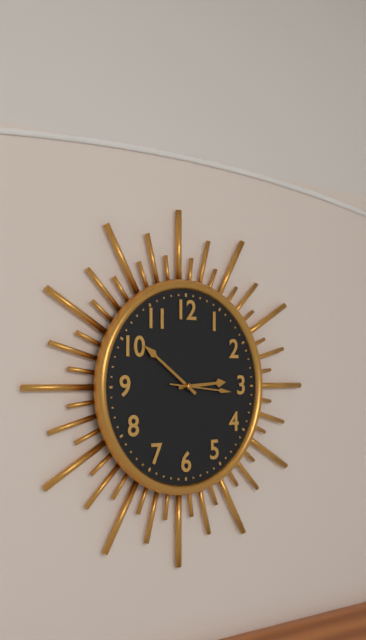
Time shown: 2:51:16
